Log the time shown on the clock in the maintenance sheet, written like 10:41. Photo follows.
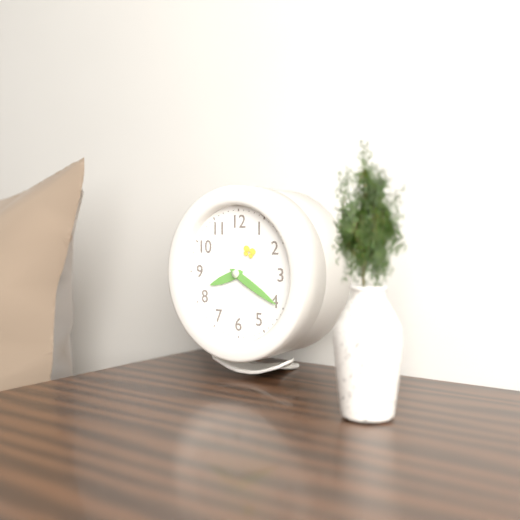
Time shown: 8:20
